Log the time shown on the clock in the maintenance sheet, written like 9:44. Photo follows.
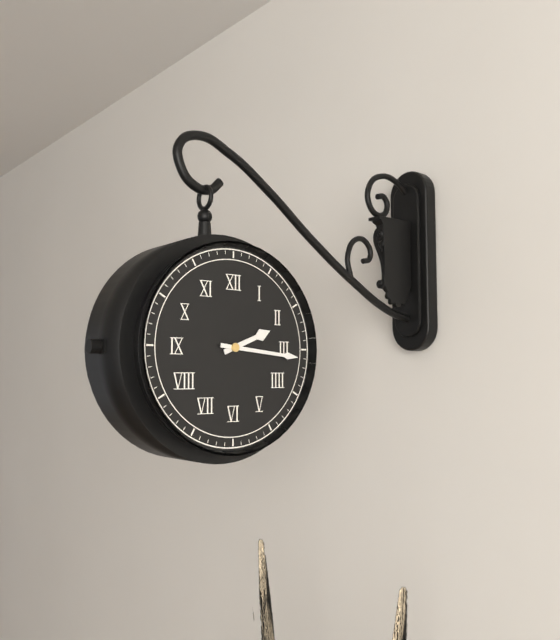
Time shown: 2:16
